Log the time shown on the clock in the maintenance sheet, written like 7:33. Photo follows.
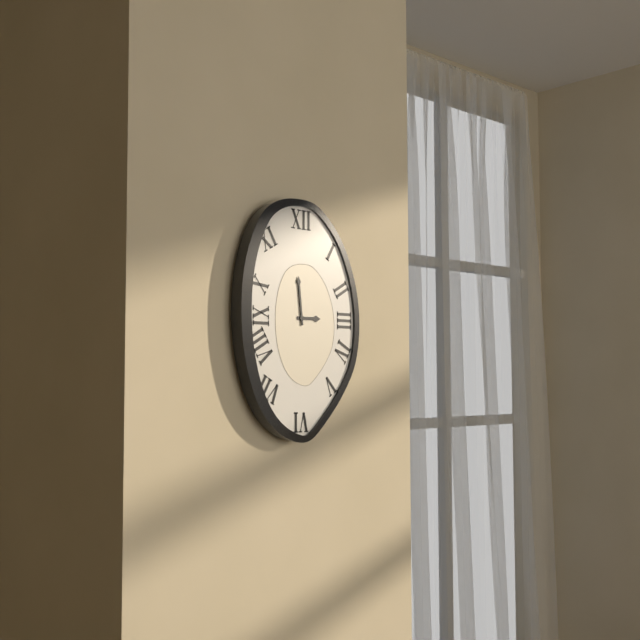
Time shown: 2:59
